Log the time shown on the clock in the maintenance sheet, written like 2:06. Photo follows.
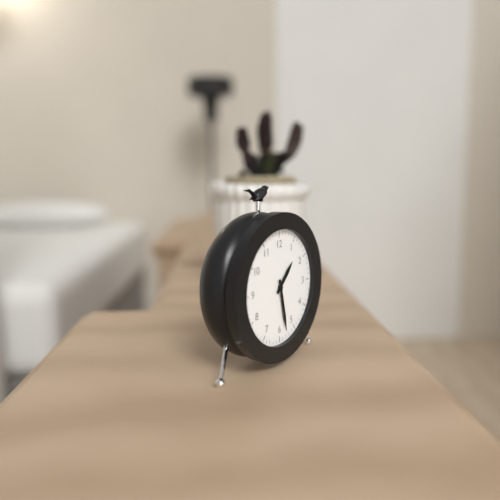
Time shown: 1:28
